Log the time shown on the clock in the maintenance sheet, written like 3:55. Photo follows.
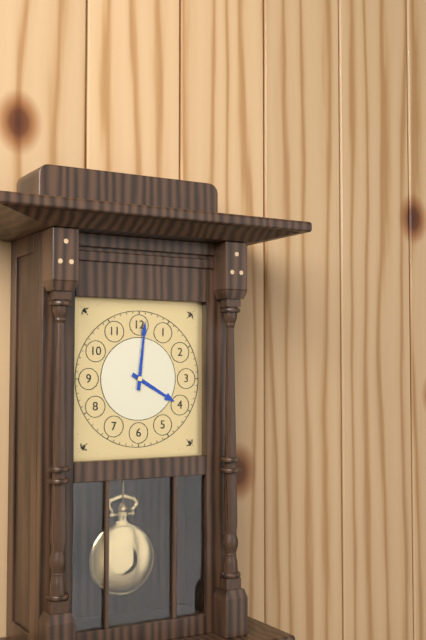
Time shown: 4:01
